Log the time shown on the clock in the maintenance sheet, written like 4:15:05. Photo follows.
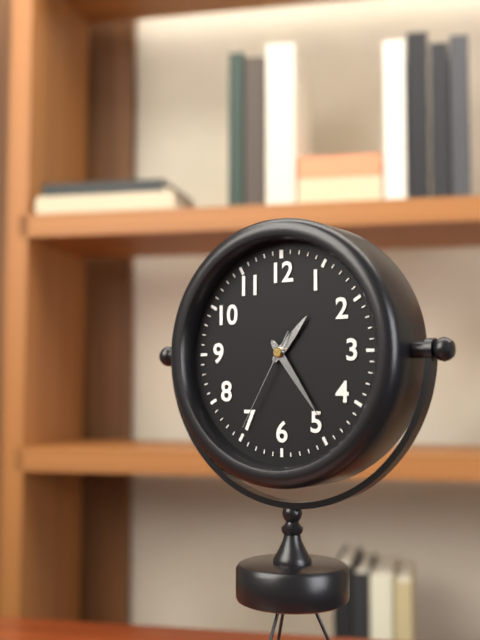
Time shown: 1:24:35
